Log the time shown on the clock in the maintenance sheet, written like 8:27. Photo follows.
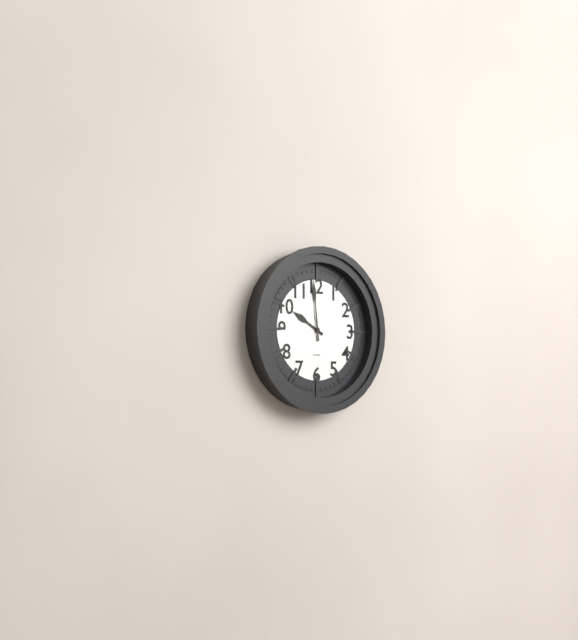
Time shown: 9:59
